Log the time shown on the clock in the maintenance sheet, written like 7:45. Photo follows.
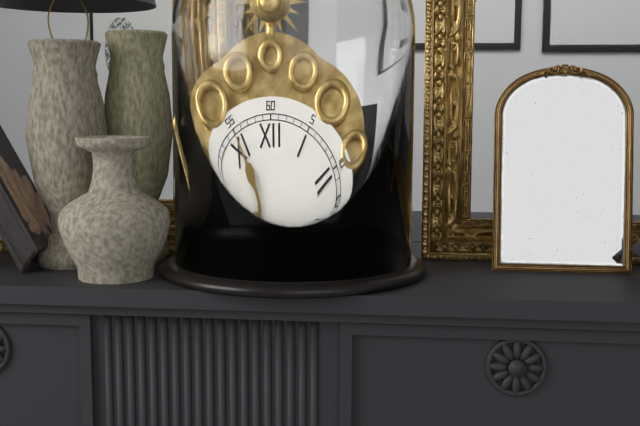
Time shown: 7:55
